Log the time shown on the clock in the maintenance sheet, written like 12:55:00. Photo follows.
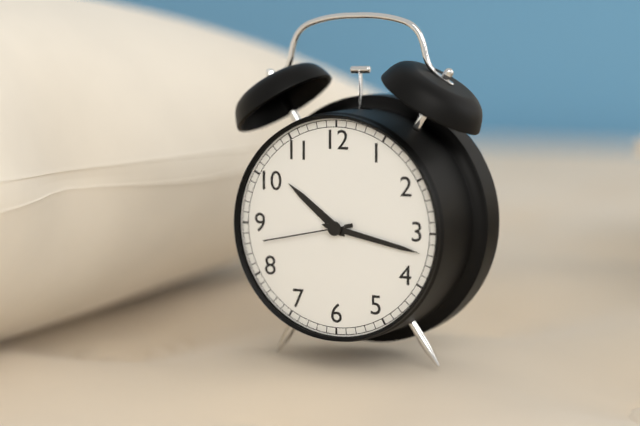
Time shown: 10:17:43
